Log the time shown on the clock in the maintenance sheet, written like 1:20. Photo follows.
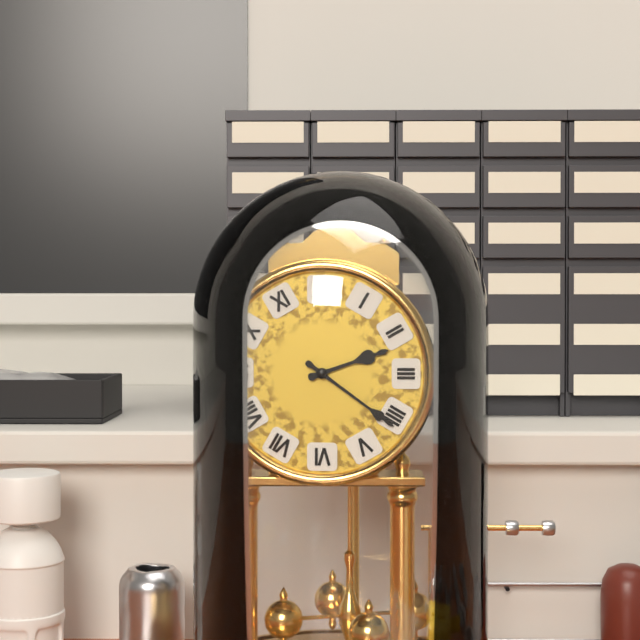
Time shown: 2:21
